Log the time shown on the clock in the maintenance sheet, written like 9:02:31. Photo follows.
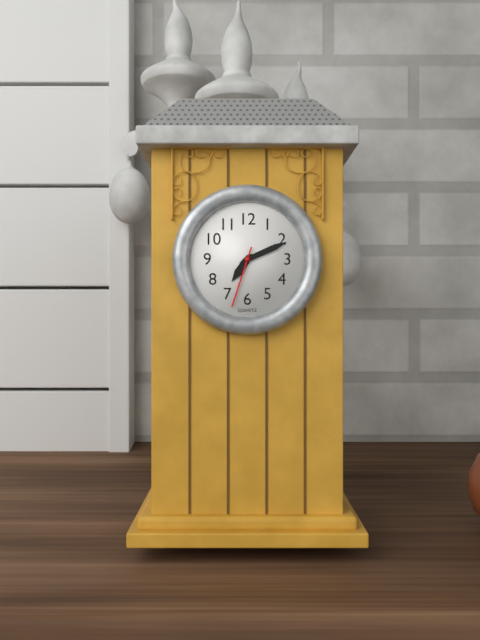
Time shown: 7:11:33
